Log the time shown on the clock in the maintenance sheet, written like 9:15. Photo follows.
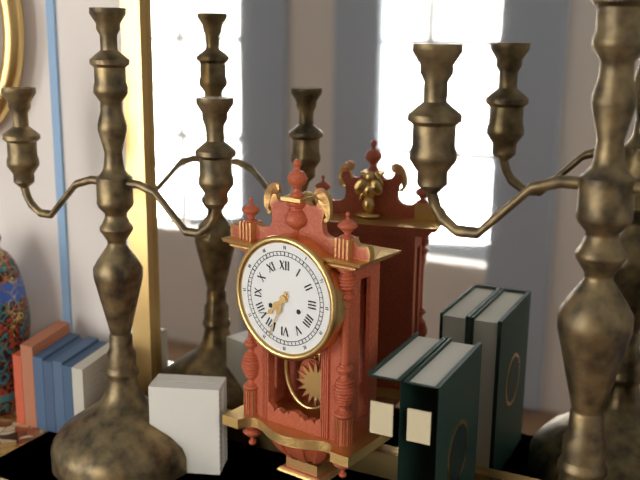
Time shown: 7:34
